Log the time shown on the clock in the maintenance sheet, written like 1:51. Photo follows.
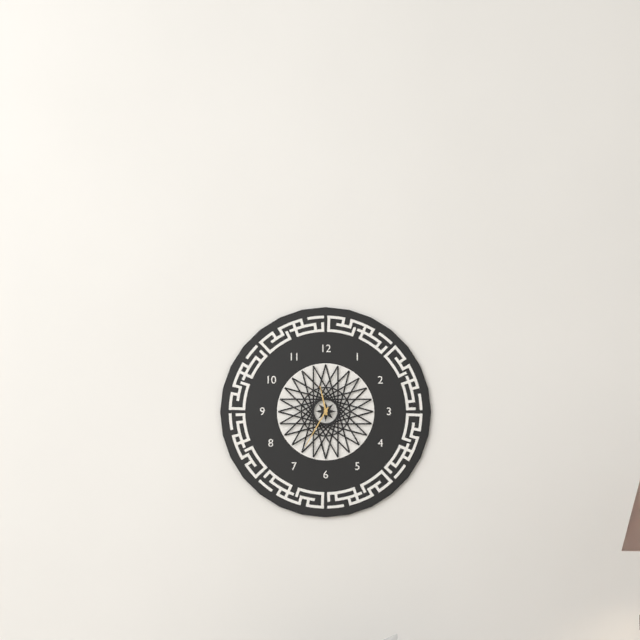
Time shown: 11:35
